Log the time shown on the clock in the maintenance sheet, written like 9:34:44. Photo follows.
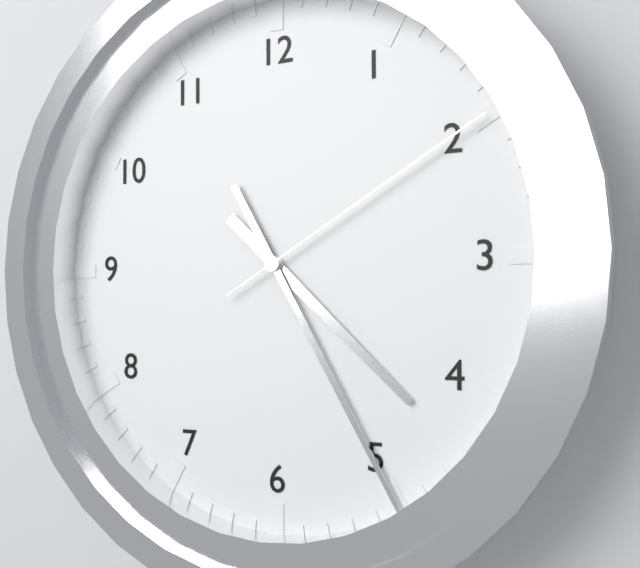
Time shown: 4:25:10
